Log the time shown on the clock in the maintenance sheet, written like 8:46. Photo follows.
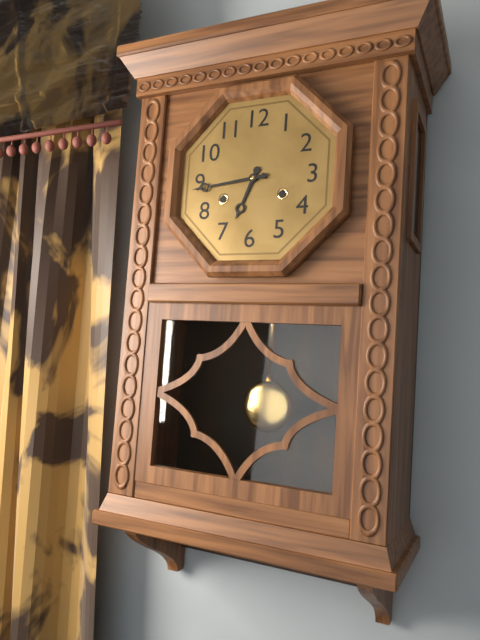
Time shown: 6:44
